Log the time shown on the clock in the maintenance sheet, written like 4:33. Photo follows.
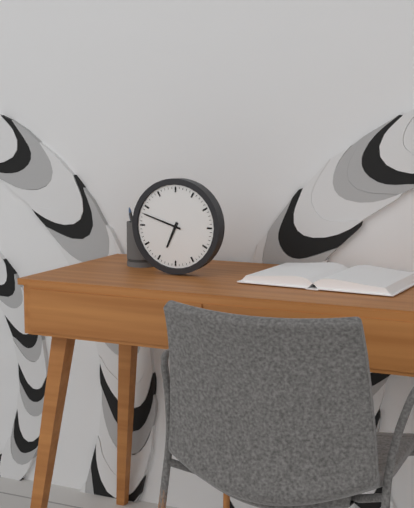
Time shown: 6:48
